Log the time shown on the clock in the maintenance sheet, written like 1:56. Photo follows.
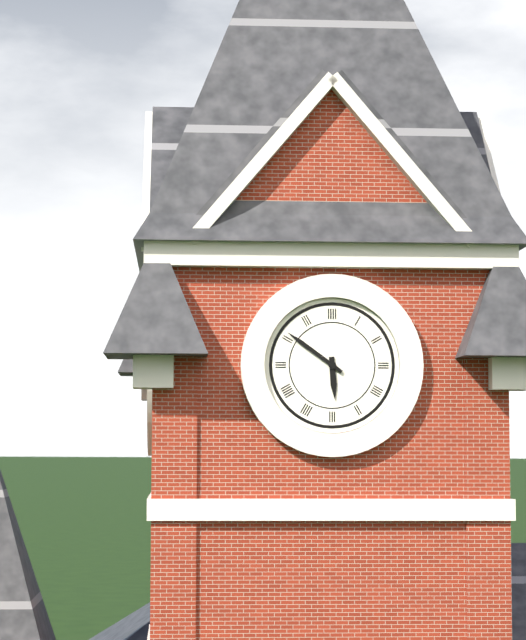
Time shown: 5:51
